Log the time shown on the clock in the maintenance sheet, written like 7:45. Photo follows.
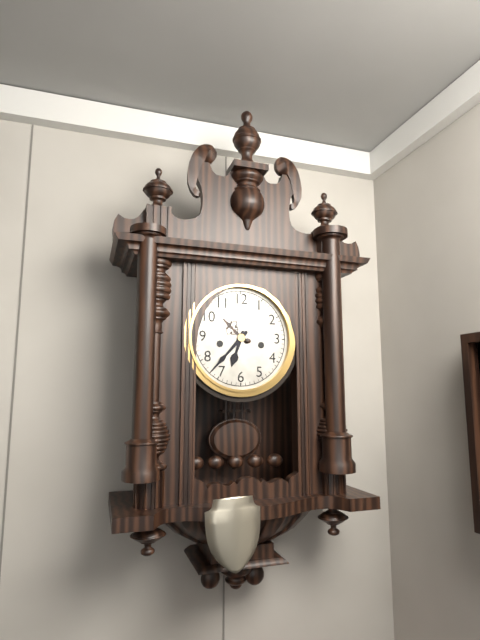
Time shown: 6:37
